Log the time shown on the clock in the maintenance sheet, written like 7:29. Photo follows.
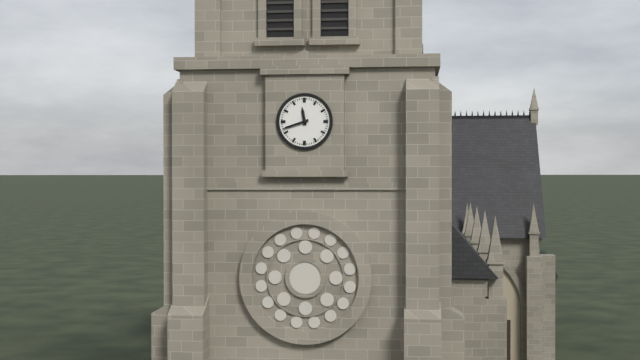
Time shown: 11:42
